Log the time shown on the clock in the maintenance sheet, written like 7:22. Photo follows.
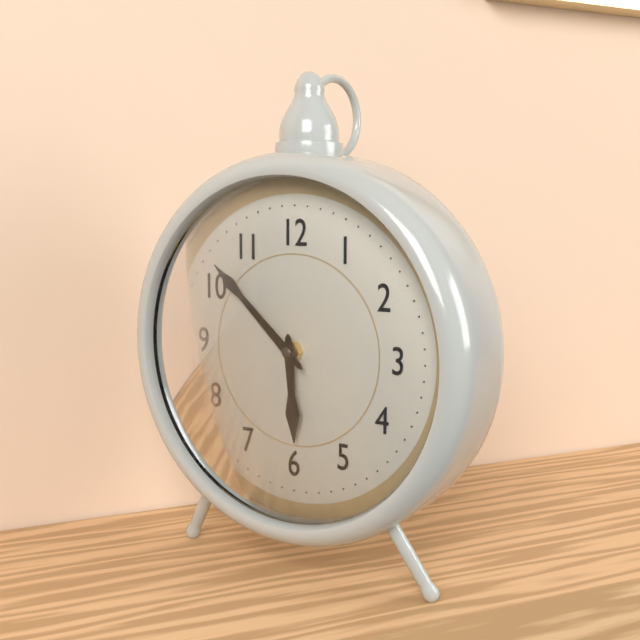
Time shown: 5:52
